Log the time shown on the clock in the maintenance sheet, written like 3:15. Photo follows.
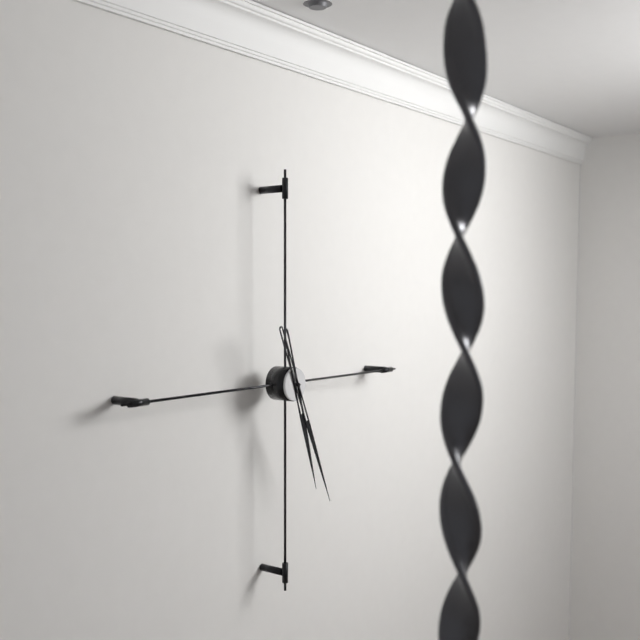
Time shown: 5:26
